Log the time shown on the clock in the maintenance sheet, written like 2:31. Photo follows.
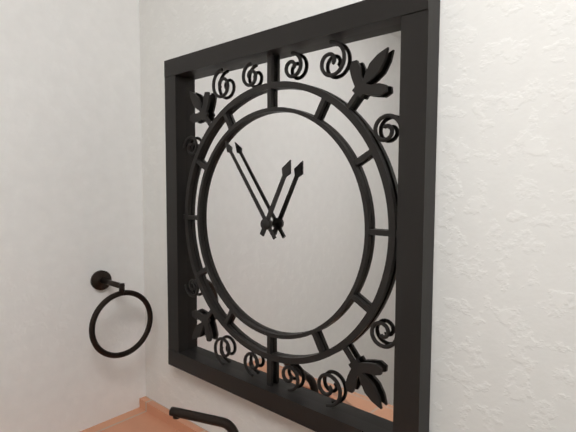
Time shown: 12:54
